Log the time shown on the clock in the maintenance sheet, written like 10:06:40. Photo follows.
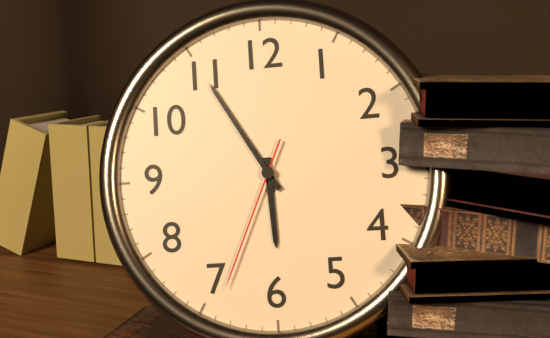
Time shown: 5:55:34
